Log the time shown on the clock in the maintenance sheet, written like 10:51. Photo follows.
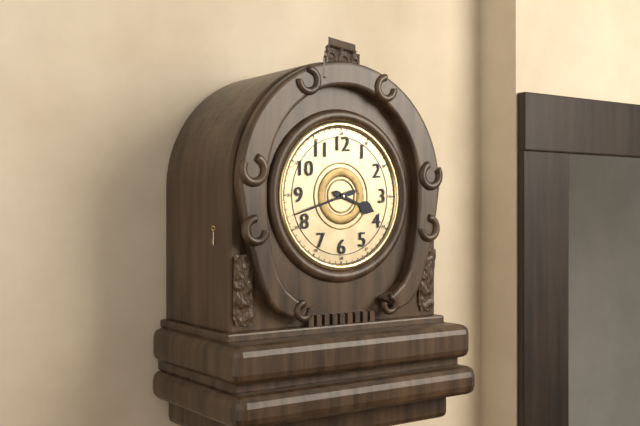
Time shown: 3:42
